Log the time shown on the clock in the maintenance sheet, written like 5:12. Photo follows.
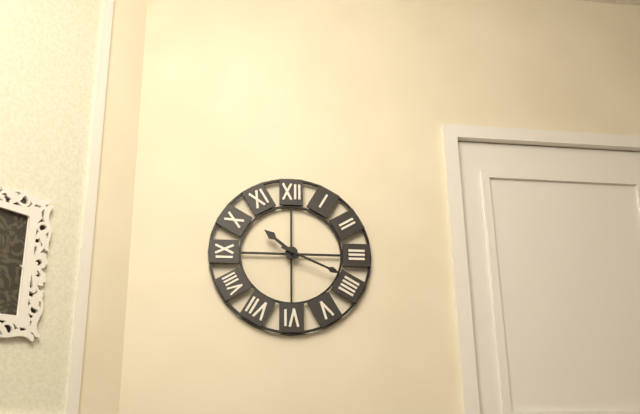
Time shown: 10:19
